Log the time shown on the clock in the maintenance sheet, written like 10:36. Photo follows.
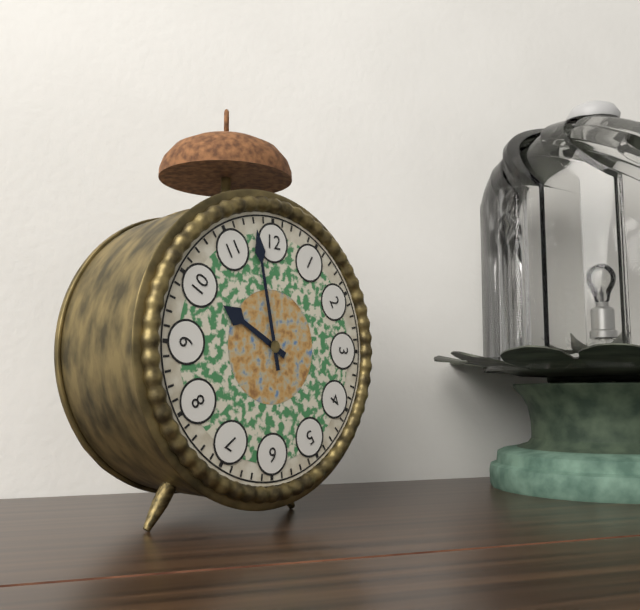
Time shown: 9:58
